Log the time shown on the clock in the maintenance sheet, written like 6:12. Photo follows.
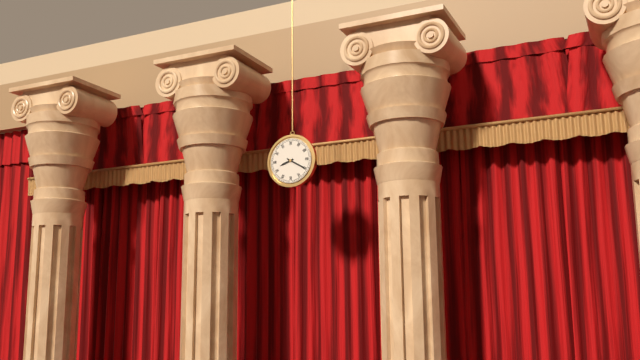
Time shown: 8:20
